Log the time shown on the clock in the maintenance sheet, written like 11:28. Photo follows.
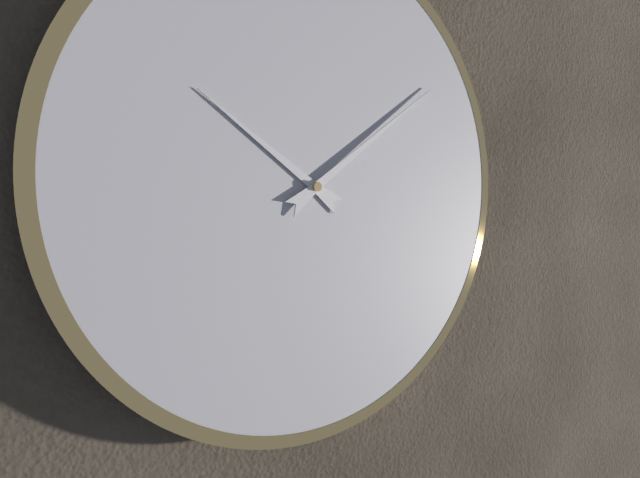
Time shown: 10:09
